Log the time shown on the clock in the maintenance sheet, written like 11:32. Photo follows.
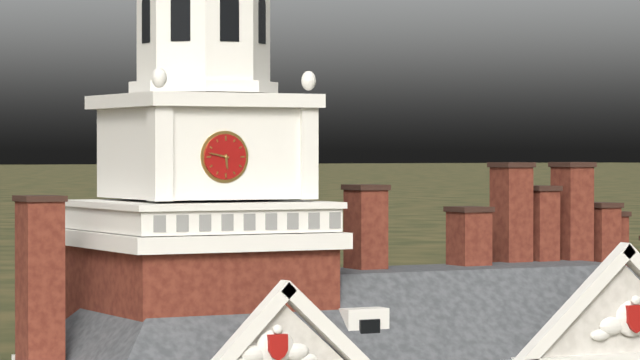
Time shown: 5:47
